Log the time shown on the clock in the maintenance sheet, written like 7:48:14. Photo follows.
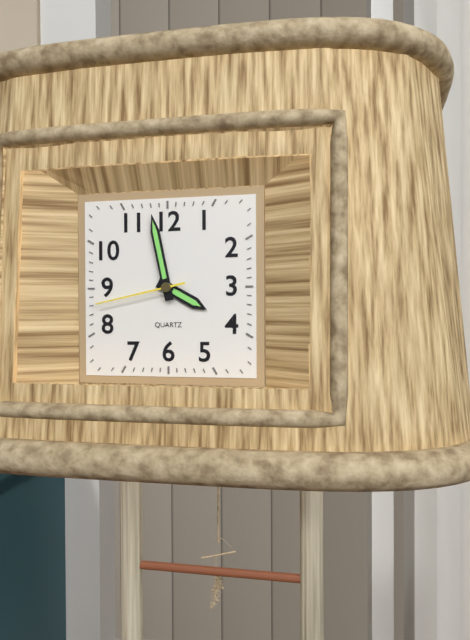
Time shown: 3:58:43
